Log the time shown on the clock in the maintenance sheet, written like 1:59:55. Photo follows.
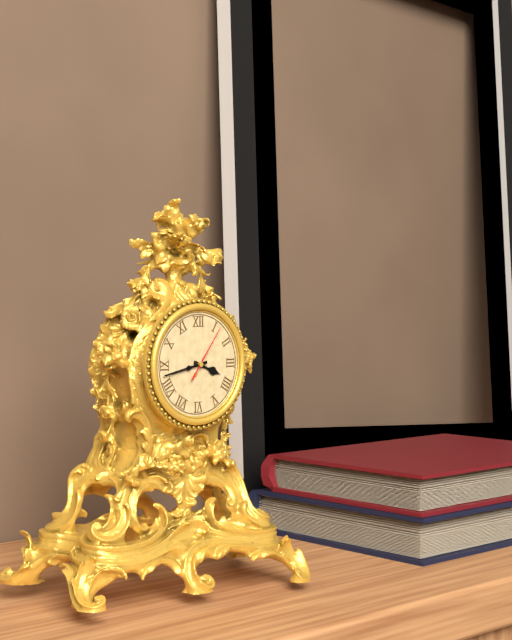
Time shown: 3:43:06
